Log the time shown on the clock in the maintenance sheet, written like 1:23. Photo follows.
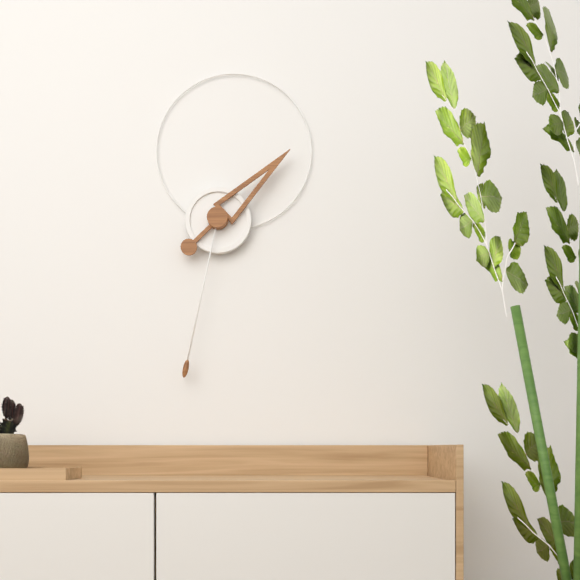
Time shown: 1:32
